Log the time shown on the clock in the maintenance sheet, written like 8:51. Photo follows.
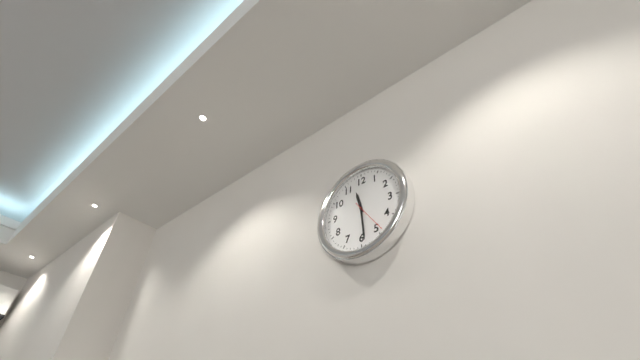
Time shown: 11:29
